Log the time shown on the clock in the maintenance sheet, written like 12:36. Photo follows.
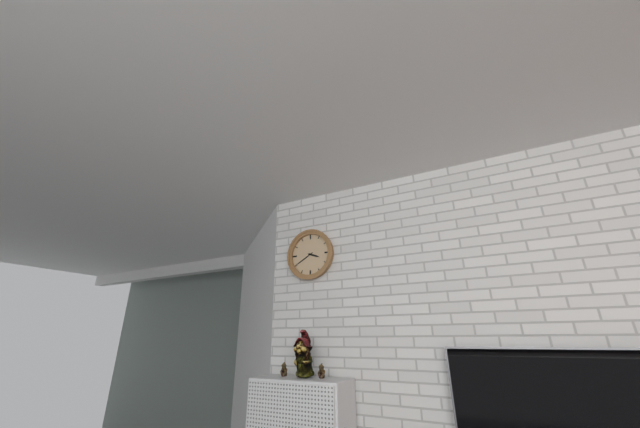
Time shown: 3:40
